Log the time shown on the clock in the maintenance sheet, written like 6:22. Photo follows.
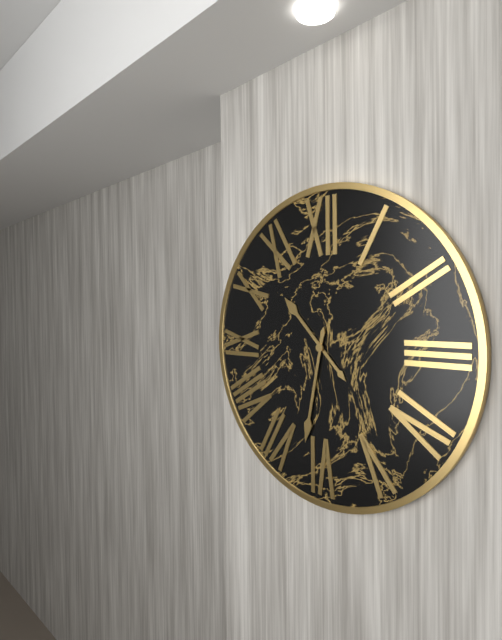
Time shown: 10:32
